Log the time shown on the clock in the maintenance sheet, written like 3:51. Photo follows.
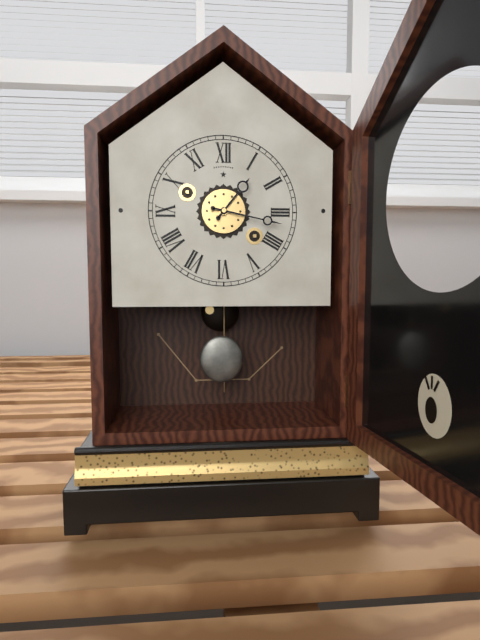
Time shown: 1:17
